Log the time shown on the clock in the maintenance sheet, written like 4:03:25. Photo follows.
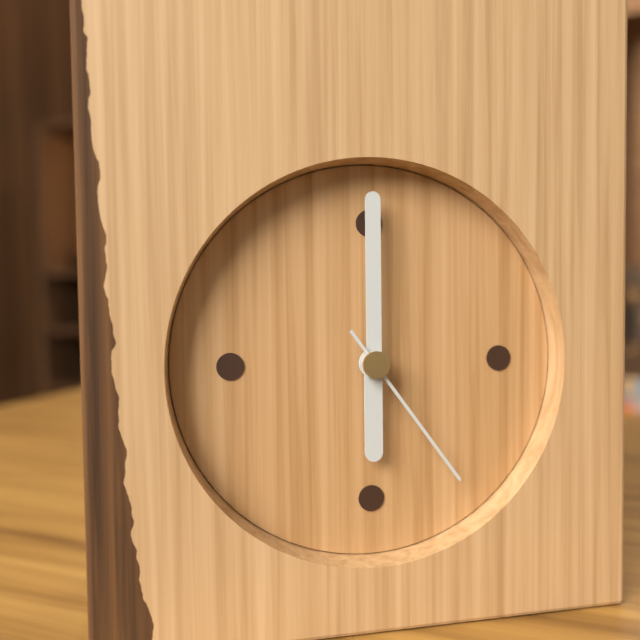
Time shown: 6:00:24
